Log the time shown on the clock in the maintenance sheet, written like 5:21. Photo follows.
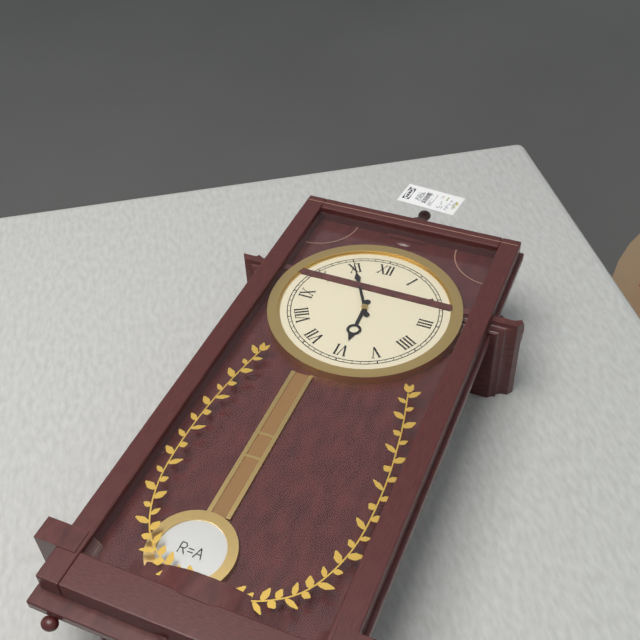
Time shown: 5:55
